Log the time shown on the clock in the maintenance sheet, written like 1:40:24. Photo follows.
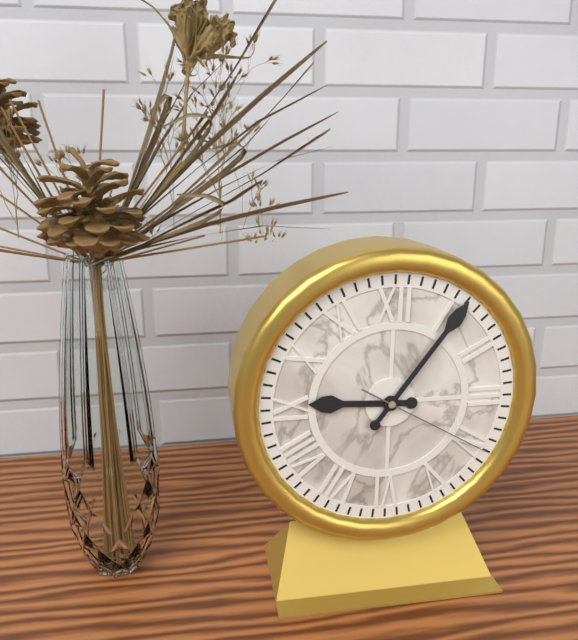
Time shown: 9:06:20
